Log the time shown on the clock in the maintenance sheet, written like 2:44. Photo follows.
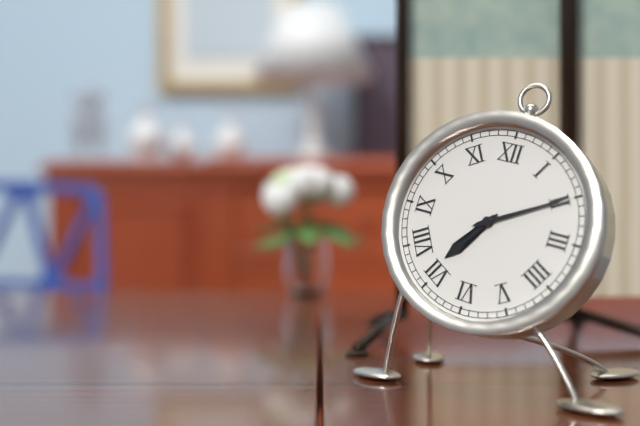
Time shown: 7:10
